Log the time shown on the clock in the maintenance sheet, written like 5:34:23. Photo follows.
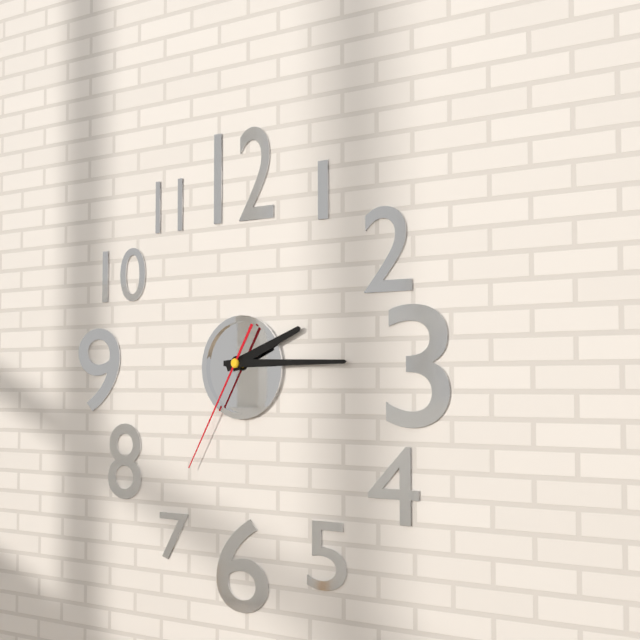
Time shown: 2:15:35
